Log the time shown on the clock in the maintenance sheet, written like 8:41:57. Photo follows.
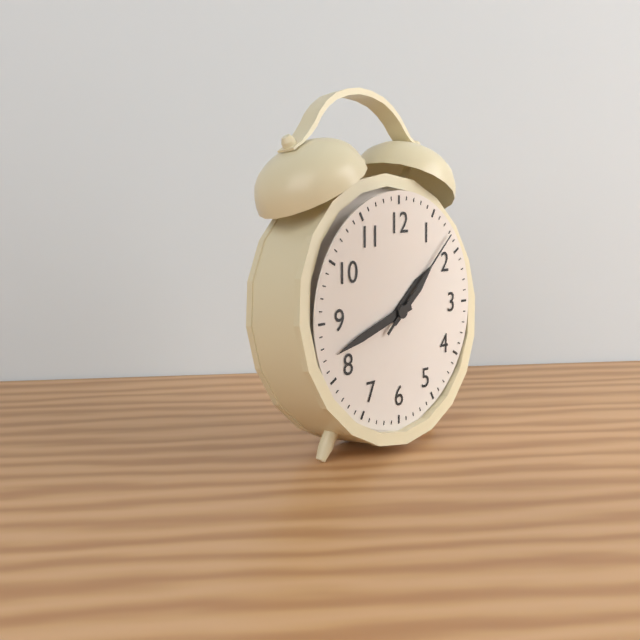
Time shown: 1:42:08
